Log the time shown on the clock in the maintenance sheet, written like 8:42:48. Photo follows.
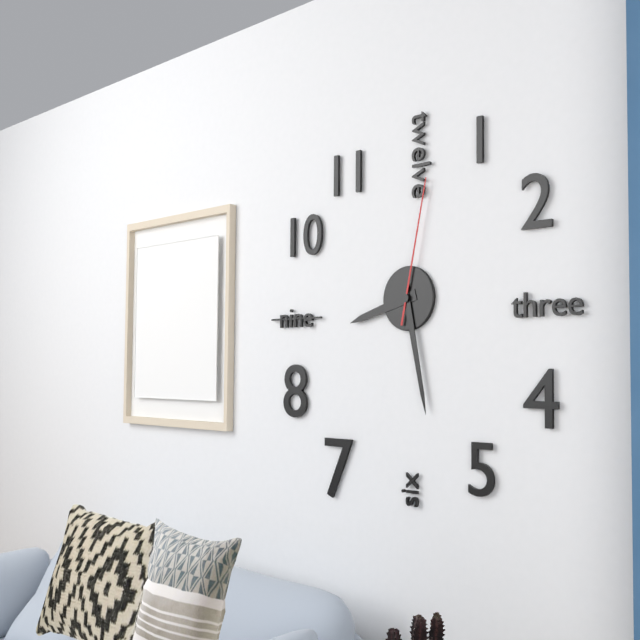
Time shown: 8:28:02
